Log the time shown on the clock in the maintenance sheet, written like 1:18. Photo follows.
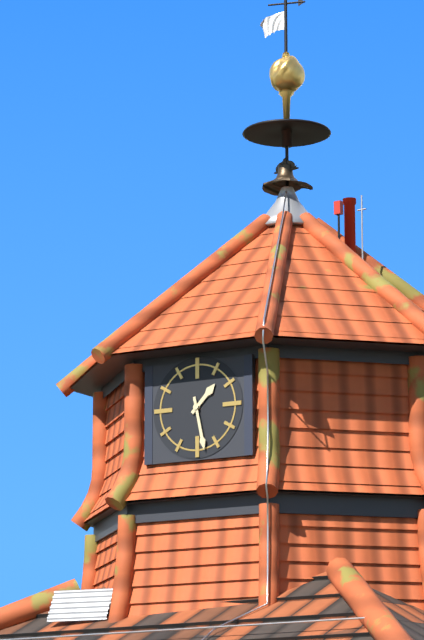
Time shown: 1:28
